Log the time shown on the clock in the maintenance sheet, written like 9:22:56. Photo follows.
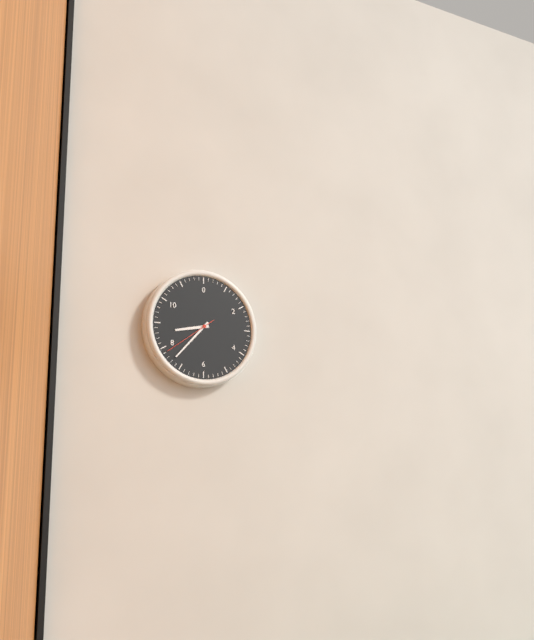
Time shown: 8:37:39
